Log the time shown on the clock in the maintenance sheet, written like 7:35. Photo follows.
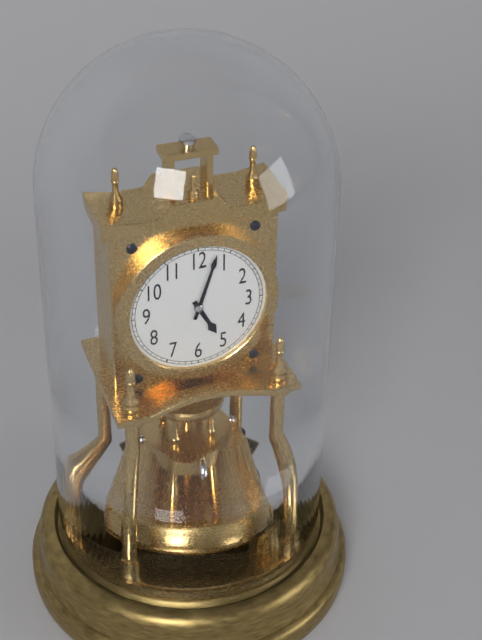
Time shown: 5:03
